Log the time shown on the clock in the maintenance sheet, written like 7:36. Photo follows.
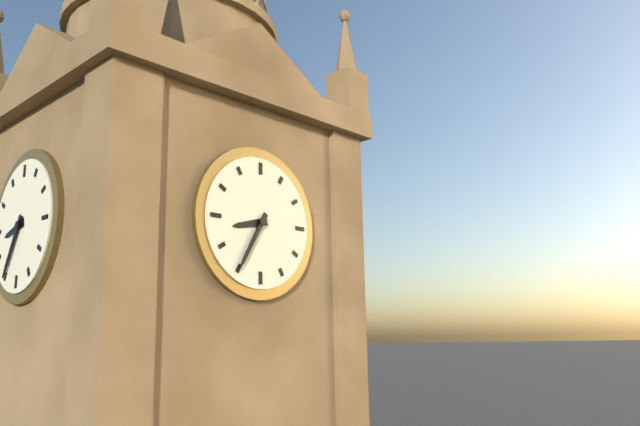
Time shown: 8:35
